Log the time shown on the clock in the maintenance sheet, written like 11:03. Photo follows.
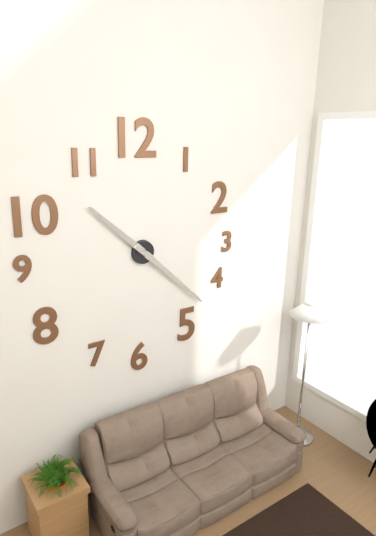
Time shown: 10:22
